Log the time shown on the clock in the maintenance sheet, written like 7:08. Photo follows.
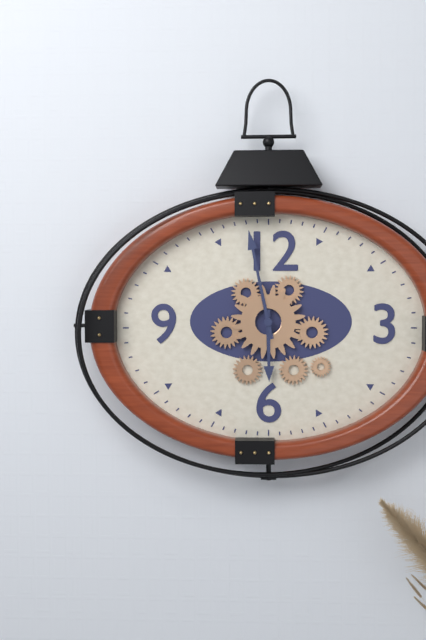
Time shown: 5:58
